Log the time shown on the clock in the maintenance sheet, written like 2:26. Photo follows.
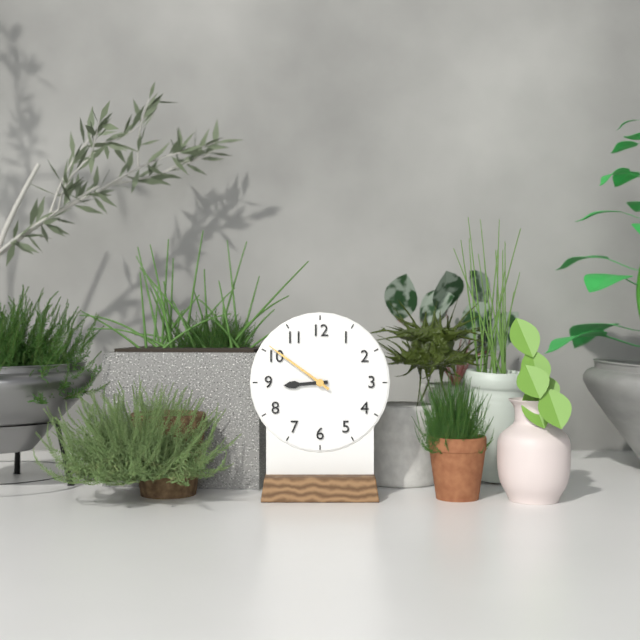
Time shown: 8:51
